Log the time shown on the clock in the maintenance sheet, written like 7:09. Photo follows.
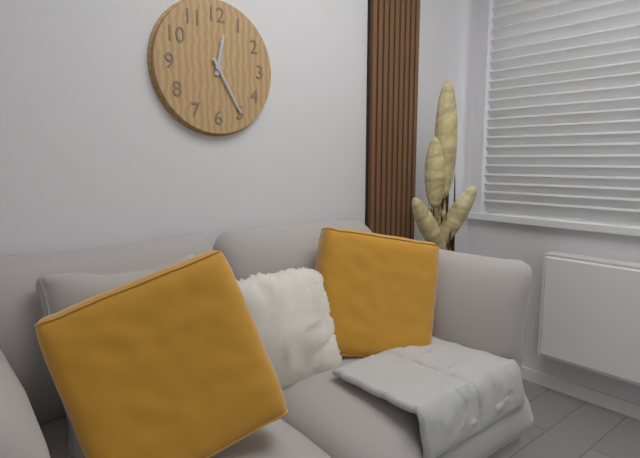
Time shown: 12:25
